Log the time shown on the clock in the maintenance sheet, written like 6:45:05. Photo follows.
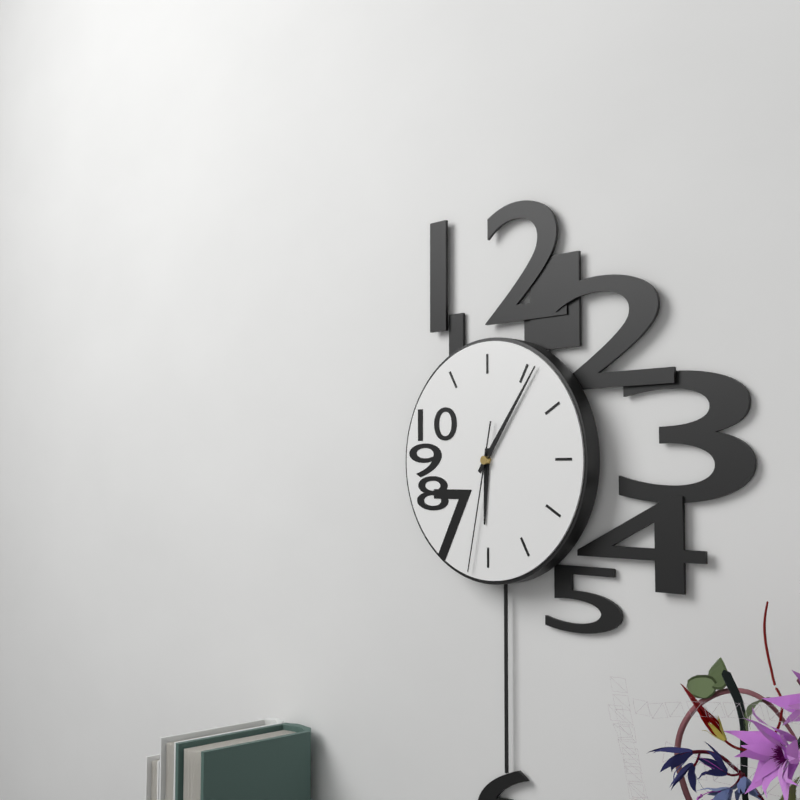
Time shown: 6:06:32
